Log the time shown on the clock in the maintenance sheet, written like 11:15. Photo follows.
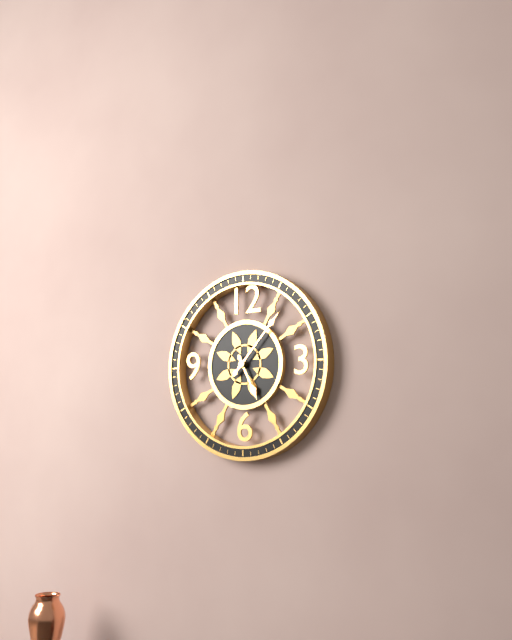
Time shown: 5:07
